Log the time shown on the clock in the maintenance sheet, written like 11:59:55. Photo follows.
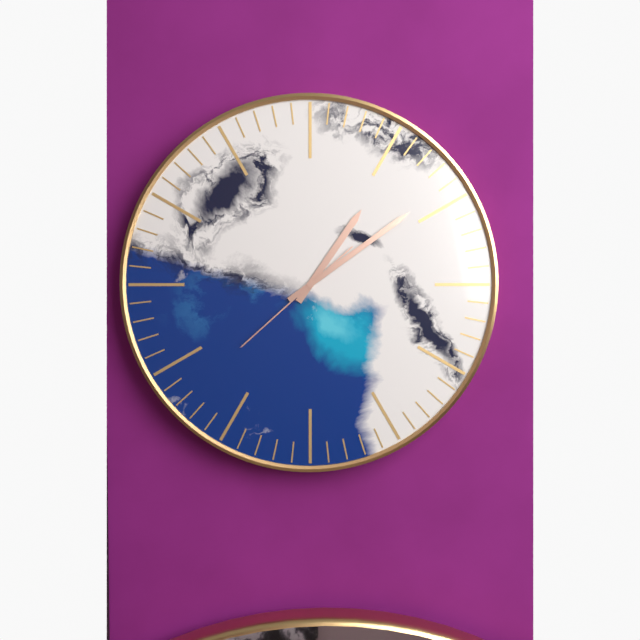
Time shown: 1:09:38
